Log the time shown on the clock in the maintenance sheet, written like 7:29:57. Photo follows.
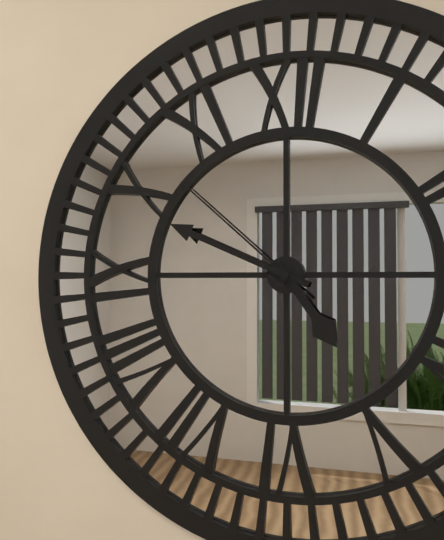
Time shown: 4:49:52
